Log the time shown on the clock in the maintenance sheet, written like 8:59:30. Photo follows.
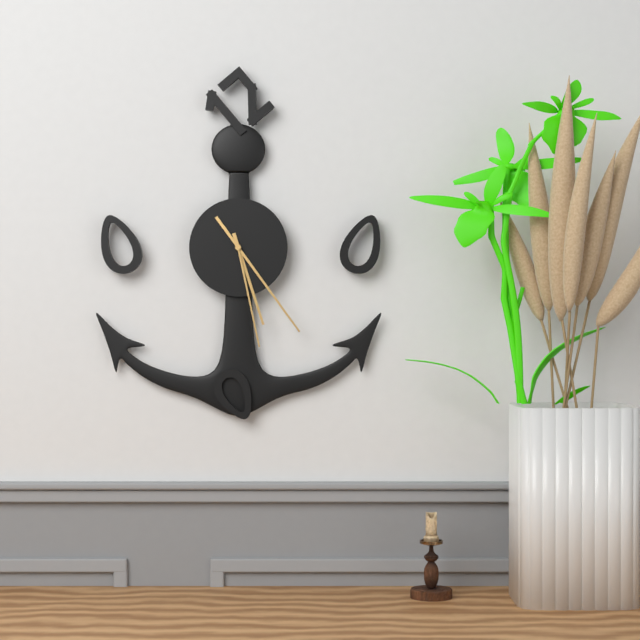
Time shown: 5:24:28
